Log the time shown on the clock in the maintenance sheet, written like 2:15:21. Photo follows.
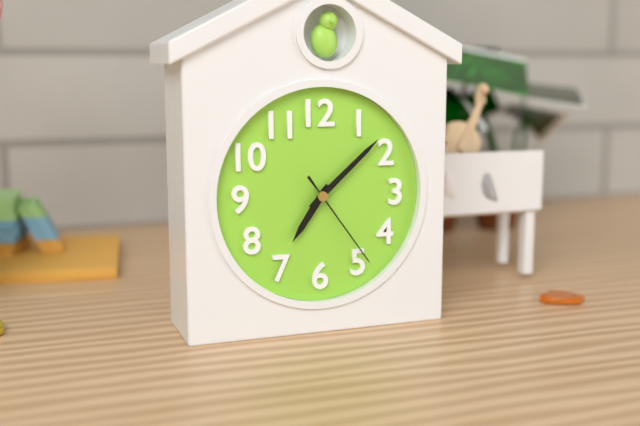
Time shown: 7:08:24
